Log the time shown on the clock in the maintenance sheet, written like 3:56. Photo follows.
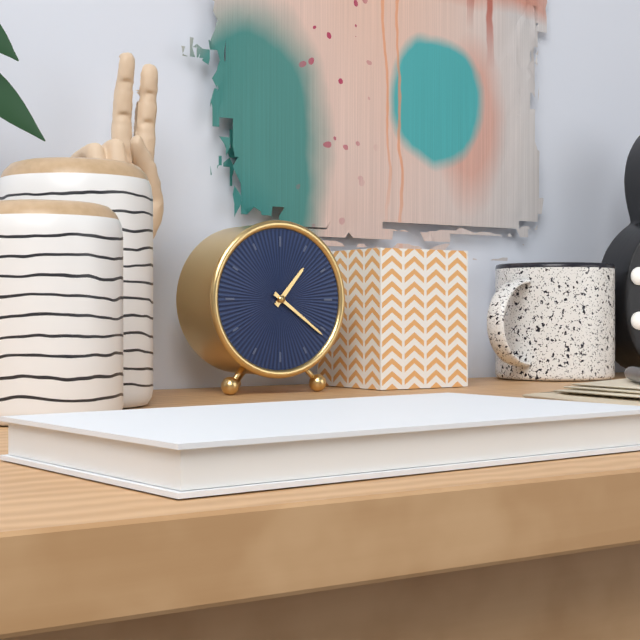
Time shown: 1:21
